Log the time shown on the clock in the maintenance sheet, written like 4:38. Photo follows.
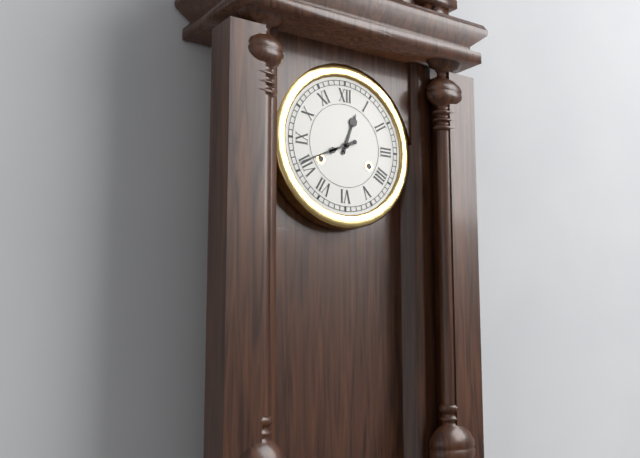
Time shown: 12:41
